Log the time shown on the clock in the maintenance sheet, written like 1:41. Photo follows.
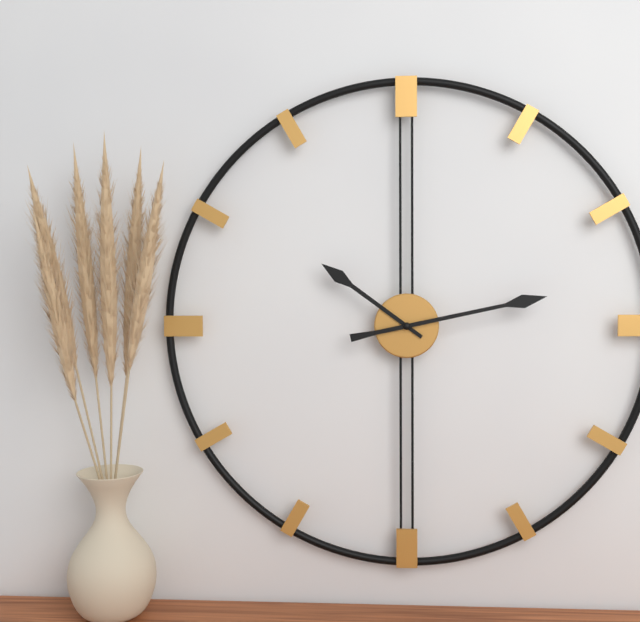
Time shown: 10:13
